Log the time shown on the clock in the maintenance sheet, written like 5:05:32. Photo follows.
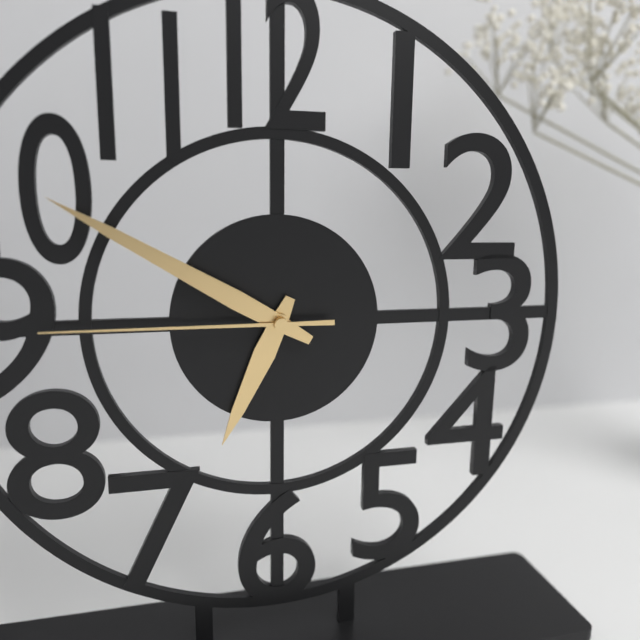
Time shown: 6:50:45
